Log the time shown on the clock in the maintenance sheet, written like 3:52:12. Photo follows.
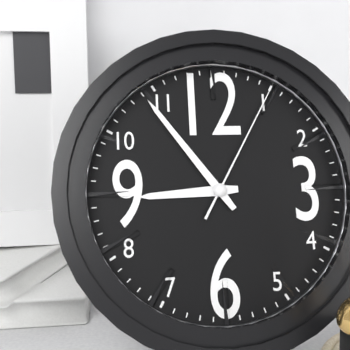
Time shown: 8:54:05
